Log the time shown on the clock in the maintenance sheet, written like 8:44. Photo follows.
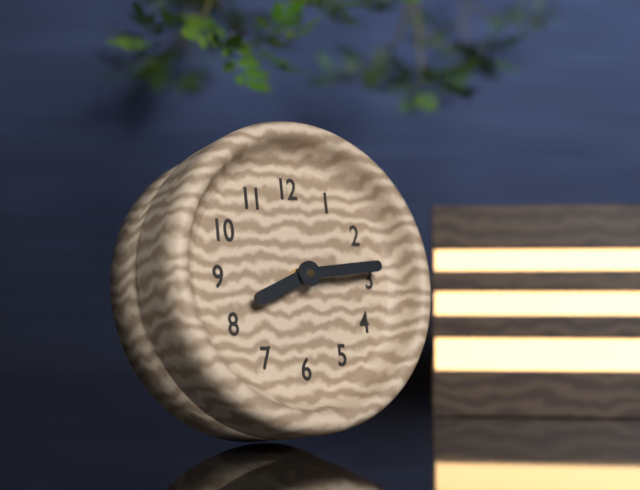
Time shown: 8:14
